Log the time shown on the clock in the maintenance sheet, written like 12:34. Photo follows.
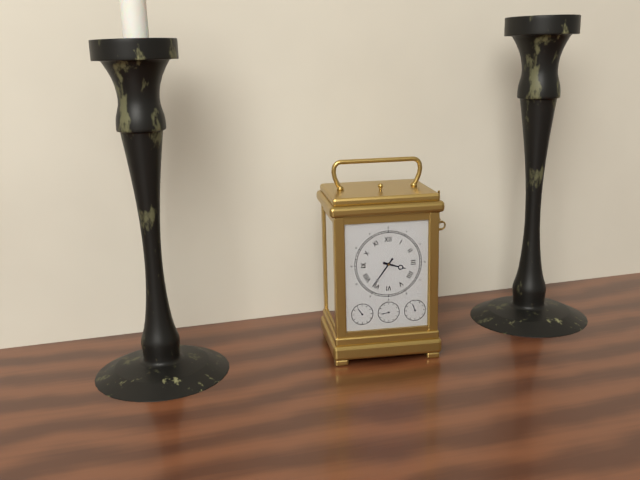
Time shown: 3:36
